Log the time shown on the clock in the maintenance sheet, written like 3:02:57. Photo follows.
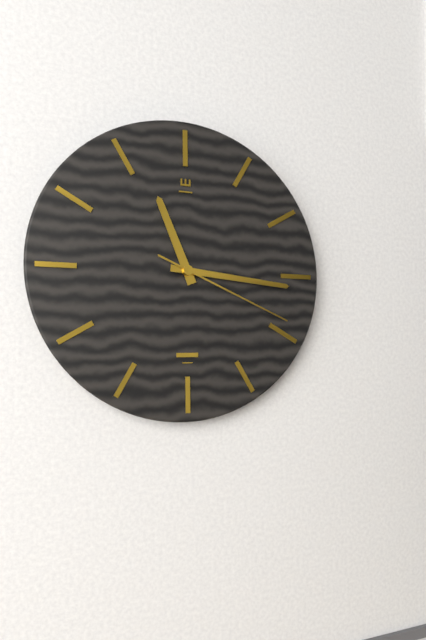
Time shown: 11:16:19
